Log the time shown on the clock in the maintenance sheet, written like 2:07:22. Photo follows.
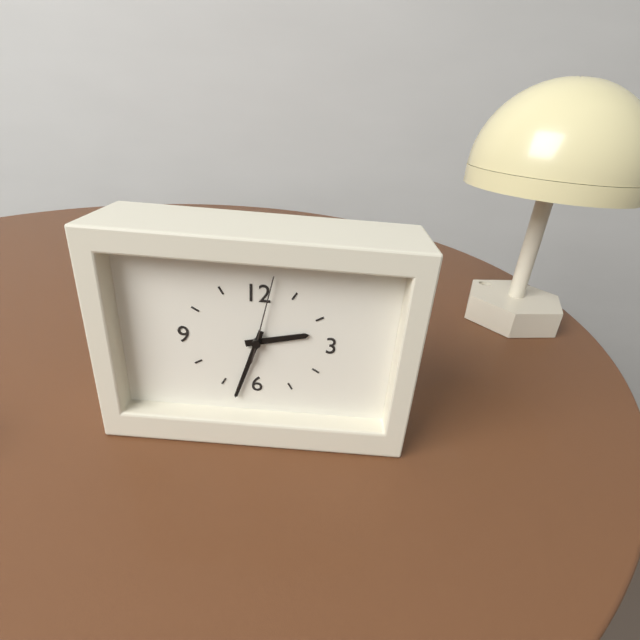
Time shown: 2:33:02
